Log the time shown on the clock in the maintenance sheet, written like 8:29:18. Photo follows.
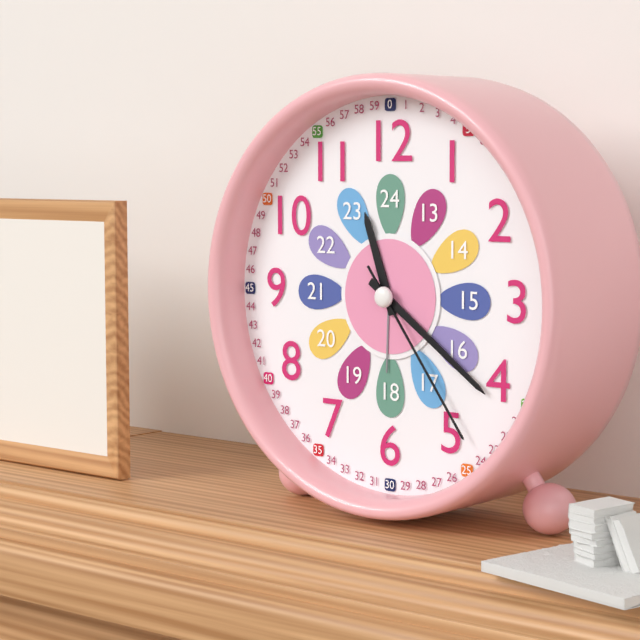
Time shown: 11:21:24
